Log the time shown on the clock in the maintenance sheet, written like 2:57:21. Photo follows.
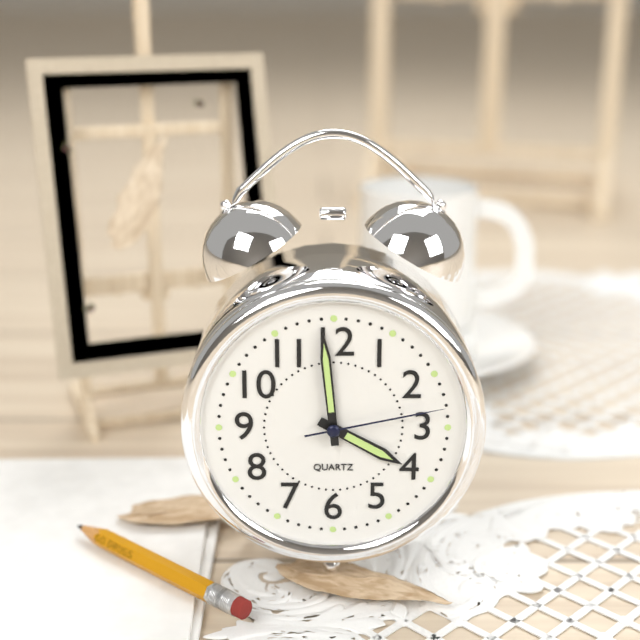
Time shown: 3:59:13
